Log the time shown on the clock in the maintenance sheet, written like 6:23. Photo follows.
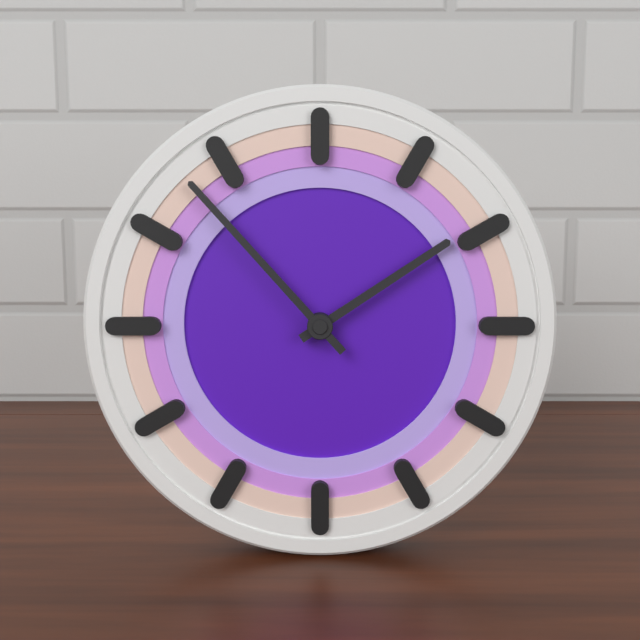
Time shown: 1:53
